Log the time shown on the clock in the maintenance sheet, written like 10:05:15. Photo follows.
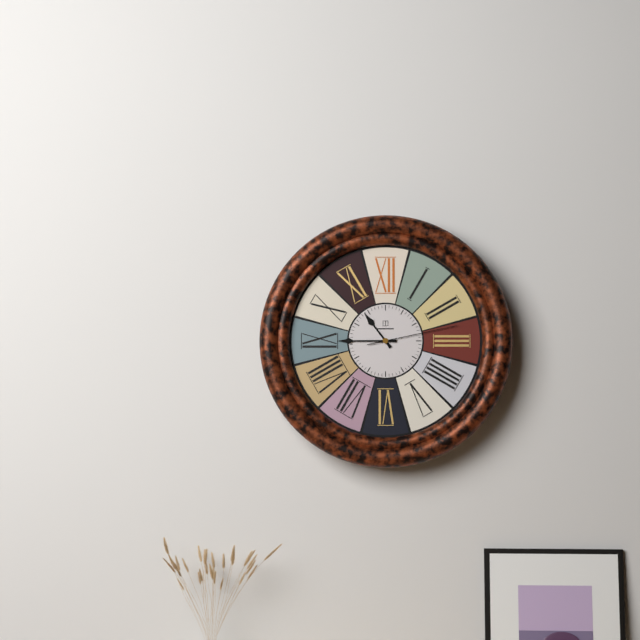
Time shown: 10:45:13
